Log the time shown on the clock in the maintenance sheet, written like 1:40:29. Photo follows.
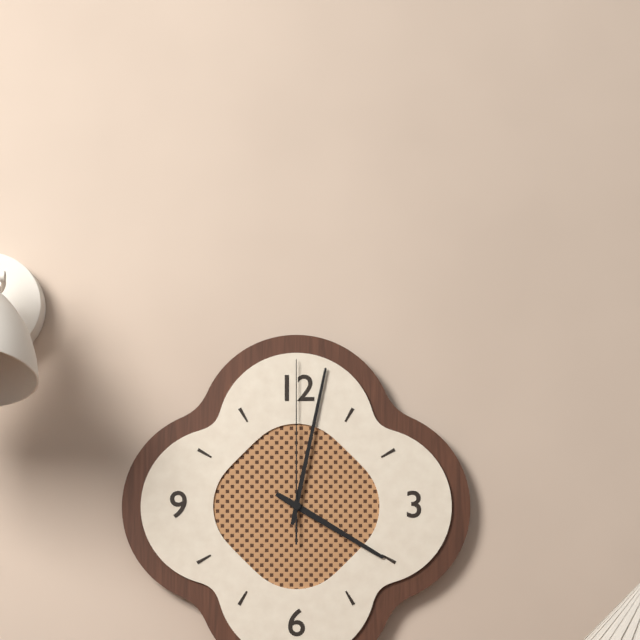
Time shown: 4:02:00
